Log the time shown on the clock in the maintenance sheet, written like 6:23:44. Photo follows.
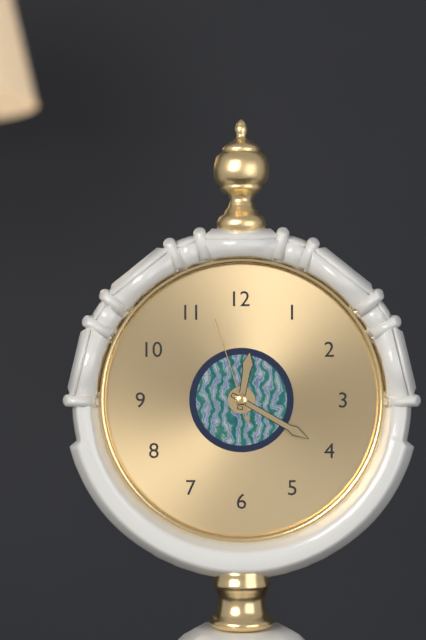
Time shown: 12:20:57
